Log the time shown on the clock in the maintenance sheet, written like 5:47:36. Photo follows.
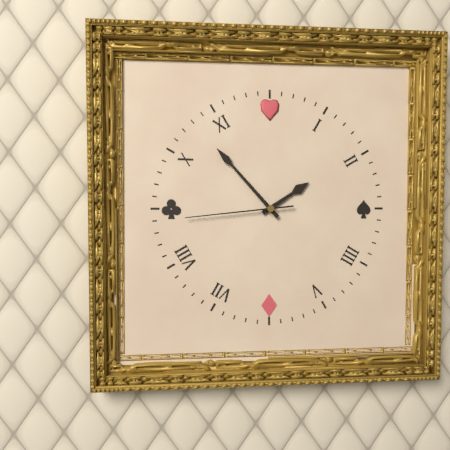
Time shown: 1:53:44
